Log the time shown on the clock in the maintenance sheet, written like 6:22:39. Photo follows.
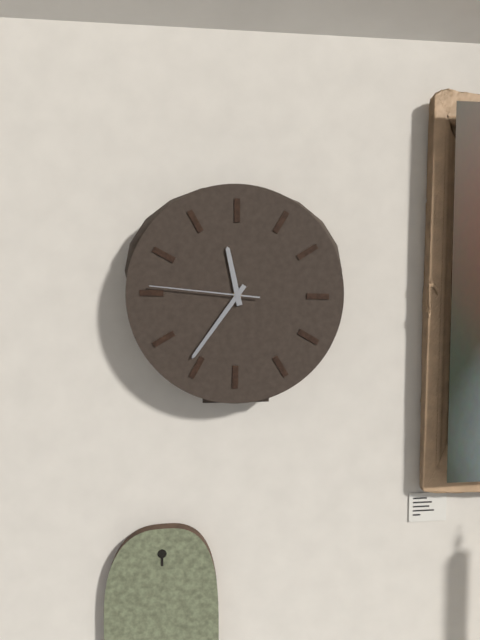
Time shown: 11:36:46
